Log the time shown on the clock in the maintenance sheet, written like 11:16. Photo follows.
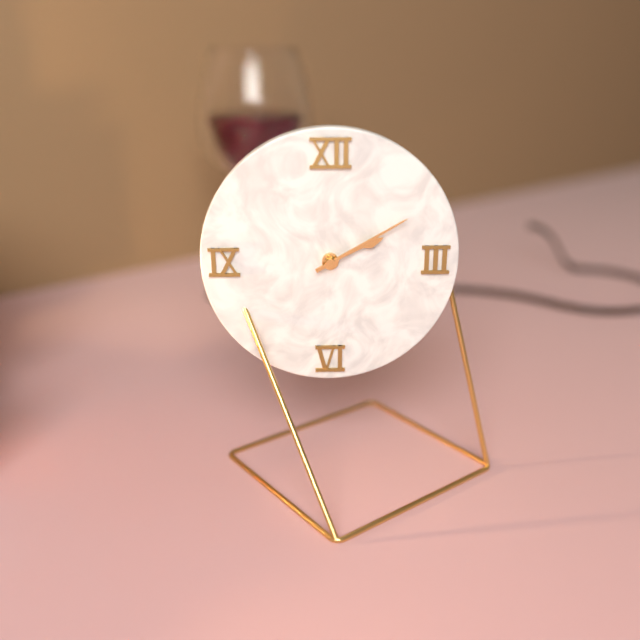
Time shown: 2:10
